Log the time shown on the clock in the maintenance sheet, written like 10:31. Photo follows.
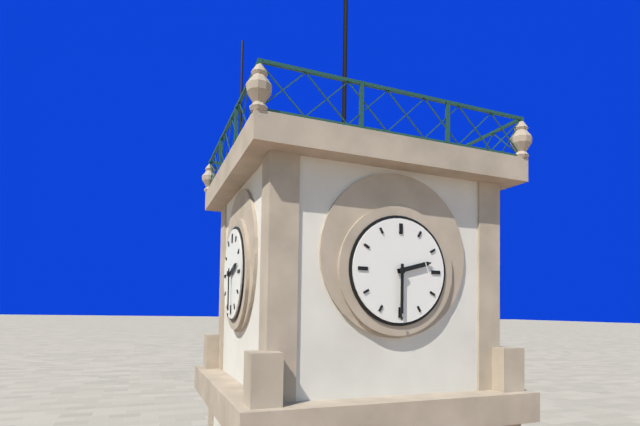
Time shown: 2:30
